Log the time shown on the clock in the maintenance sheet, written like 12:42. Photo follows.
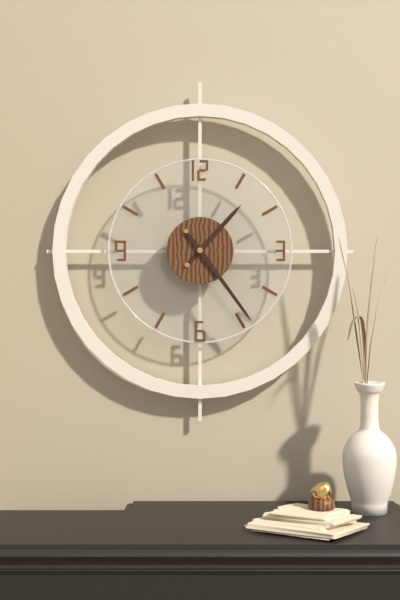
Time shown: 1:24
